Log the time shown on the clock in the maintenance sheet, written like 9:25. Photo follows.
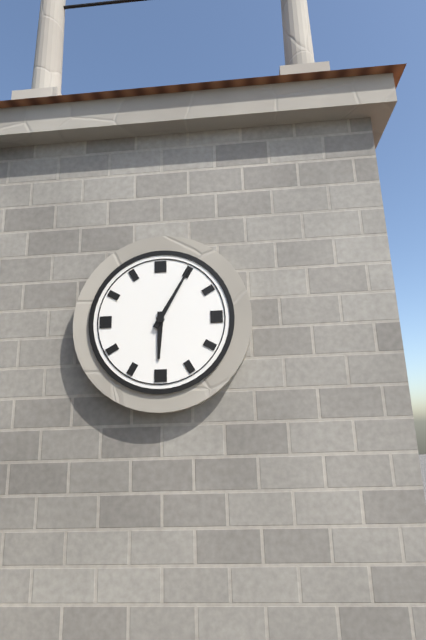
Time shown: 6:05
